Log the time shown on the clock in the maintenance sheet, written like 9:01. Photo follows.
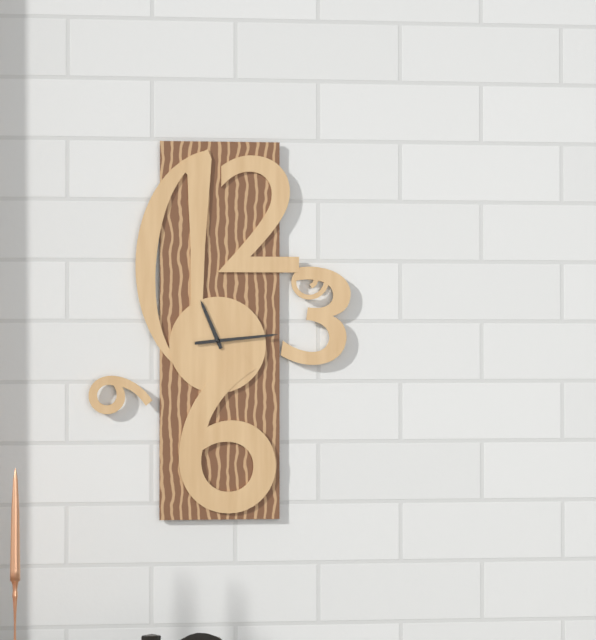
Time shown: 11:14
